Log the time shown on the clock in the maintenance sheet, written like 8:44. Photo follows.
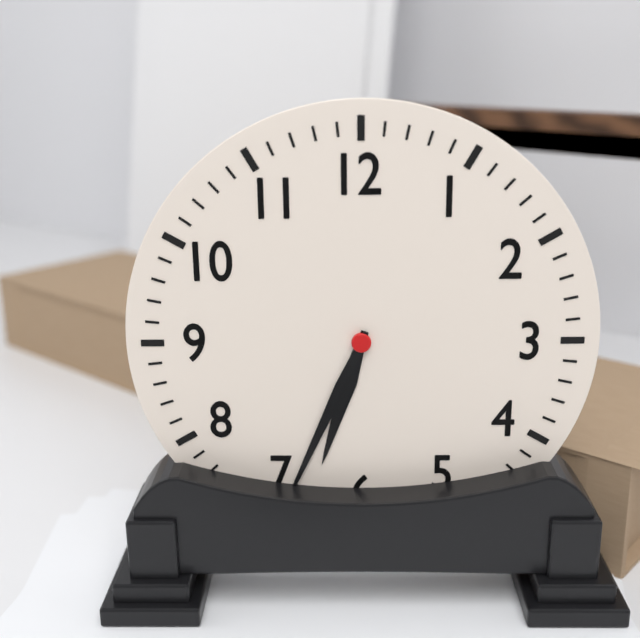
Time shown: 6:34
